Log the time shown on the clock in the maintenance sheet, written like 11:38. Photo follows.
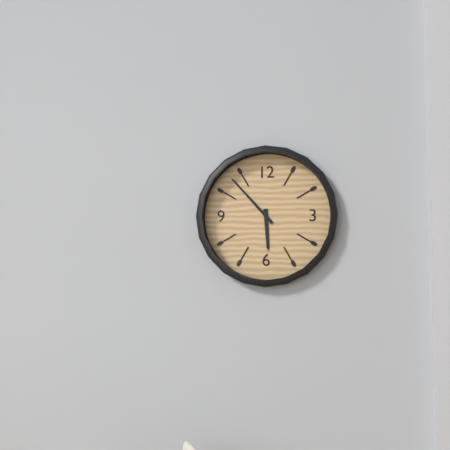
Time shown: 5:53
